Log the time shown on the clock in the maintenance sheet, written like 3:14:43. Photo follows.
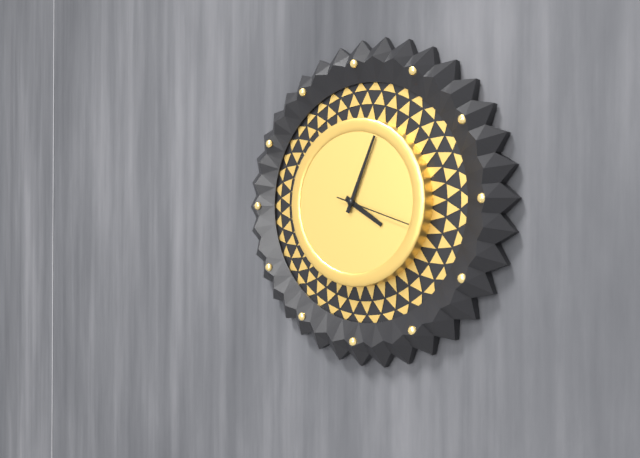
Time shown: 4:04:18
